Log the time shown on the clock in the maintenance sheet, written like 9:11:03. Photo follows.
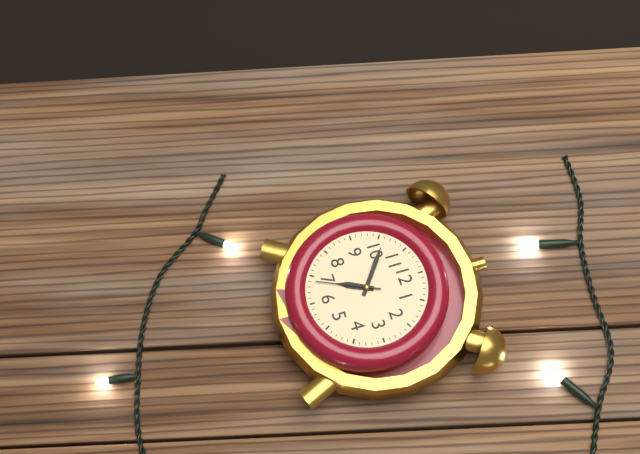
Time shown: 6:51:34
